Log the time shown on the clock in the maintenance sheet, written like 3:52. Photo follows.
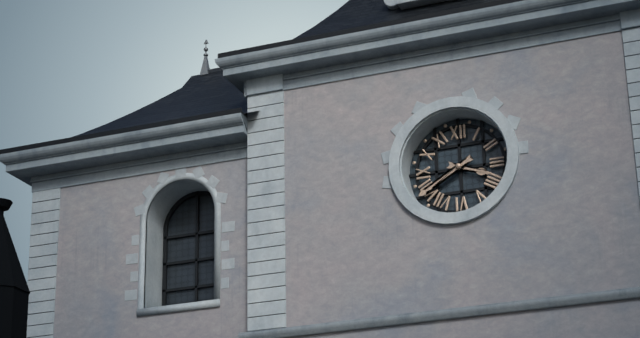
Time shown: 3:40
